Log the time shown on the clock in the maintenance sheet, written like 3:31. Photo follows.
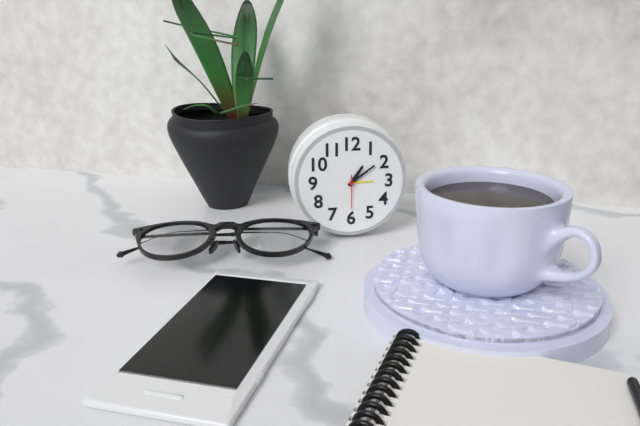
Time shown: 1:09
